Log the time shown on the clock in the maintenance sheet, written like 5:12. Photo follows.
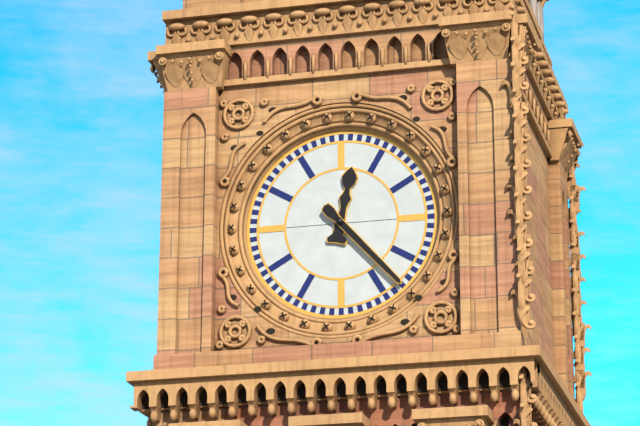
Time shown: 12:23
